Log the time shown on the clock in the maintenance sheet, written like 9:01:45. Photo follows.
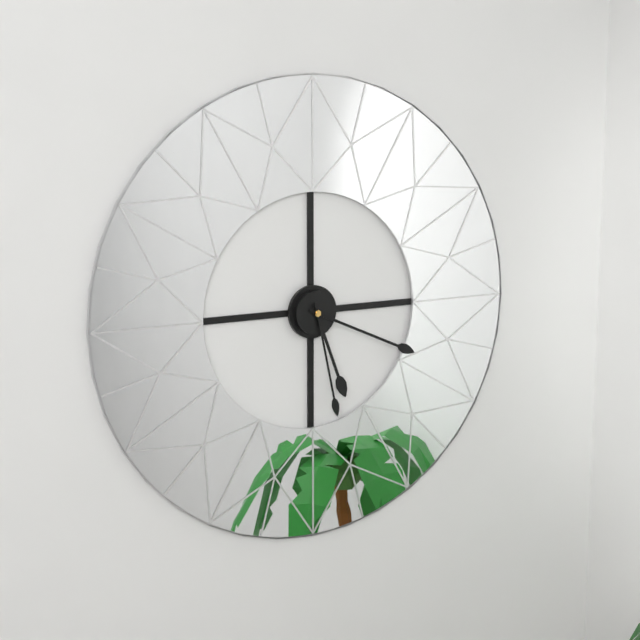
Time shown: 5:19:28
